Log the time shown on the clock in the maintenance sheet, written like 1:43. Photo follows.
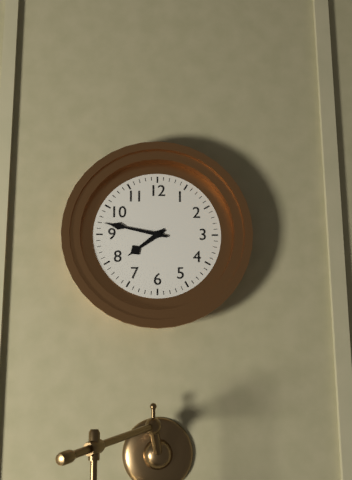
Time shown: 7:47
